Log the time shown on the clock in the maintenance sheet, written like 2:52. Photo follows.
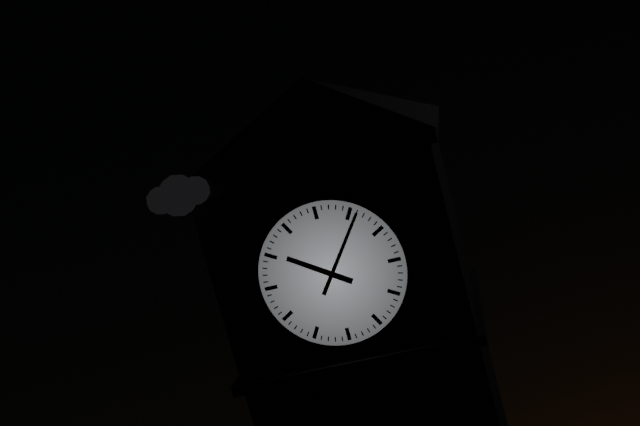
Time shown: 10:06
